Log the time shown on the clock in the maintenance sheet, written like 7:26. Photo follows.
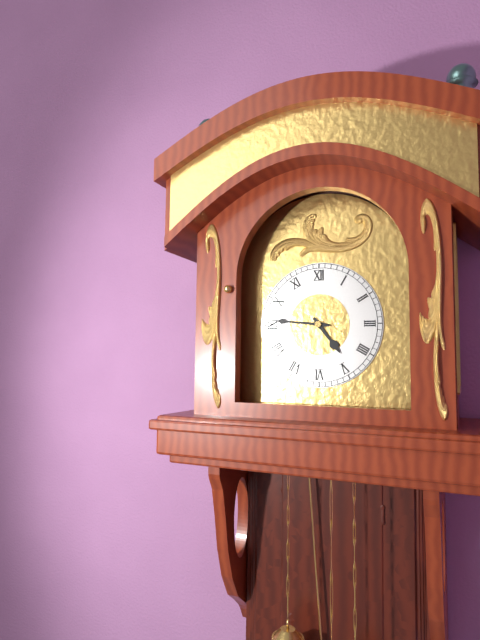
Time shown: 4:46
